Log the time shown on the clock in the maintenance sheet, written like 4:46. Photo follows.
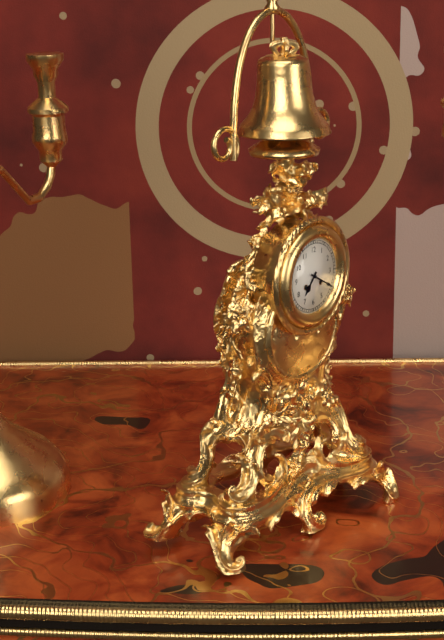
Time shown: 7:20
